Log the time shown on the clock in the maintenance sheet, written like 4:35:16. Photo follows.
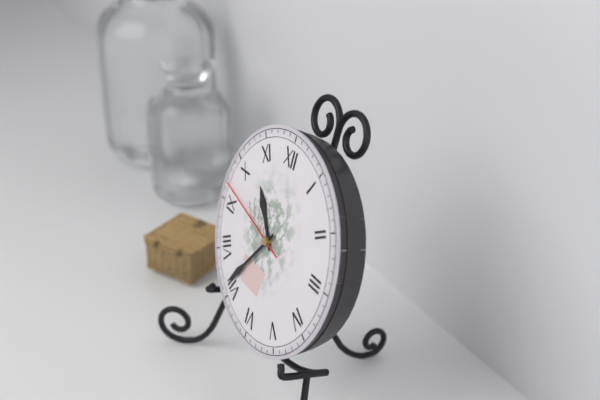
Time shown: 10:36:47
